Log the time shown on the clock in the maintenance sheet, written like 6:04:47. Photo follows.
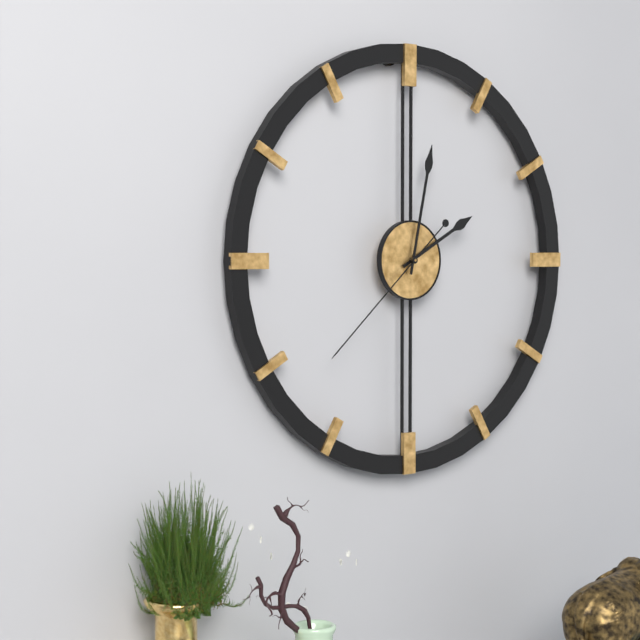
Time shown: 2:02:38
